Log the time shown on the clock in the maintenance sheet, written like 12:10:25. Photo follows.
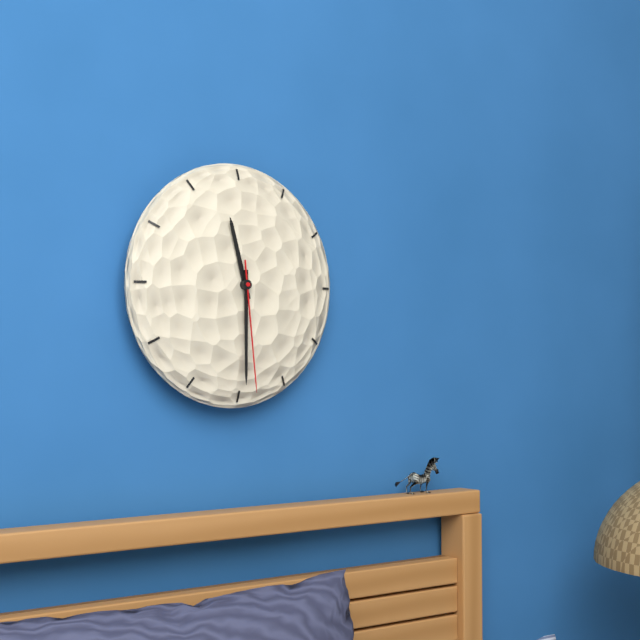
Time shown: 11:30:29
